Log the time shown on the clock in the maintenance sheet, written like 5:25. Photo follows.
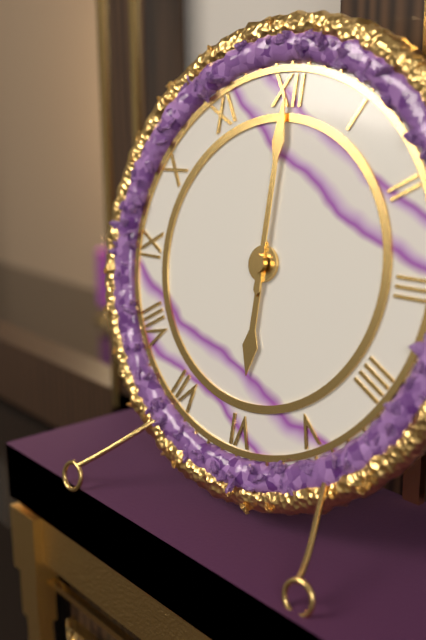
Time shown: 6:00
